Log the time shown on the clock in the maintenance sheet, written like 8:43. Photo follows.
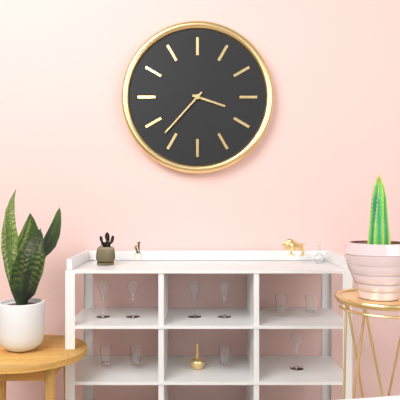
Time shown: 3:37
